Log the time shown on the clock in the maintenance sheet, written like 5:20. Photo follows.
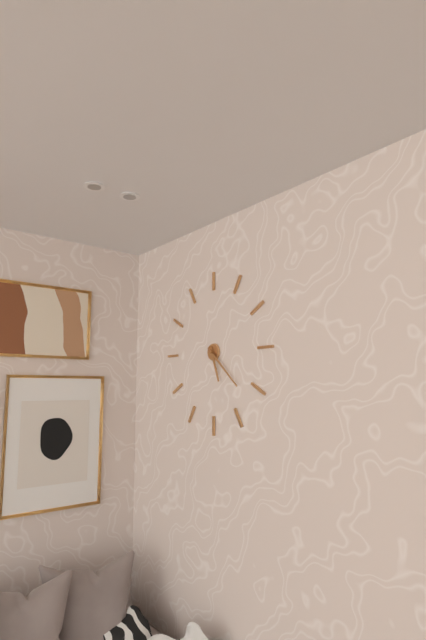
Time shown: 5:22
